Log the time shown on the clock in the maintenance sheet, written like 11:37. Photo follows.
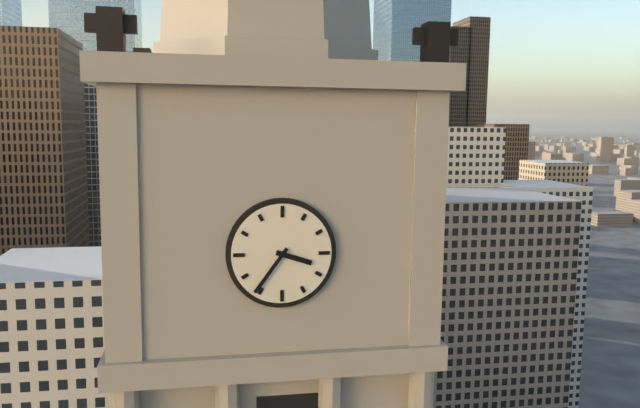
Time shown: 3:36
